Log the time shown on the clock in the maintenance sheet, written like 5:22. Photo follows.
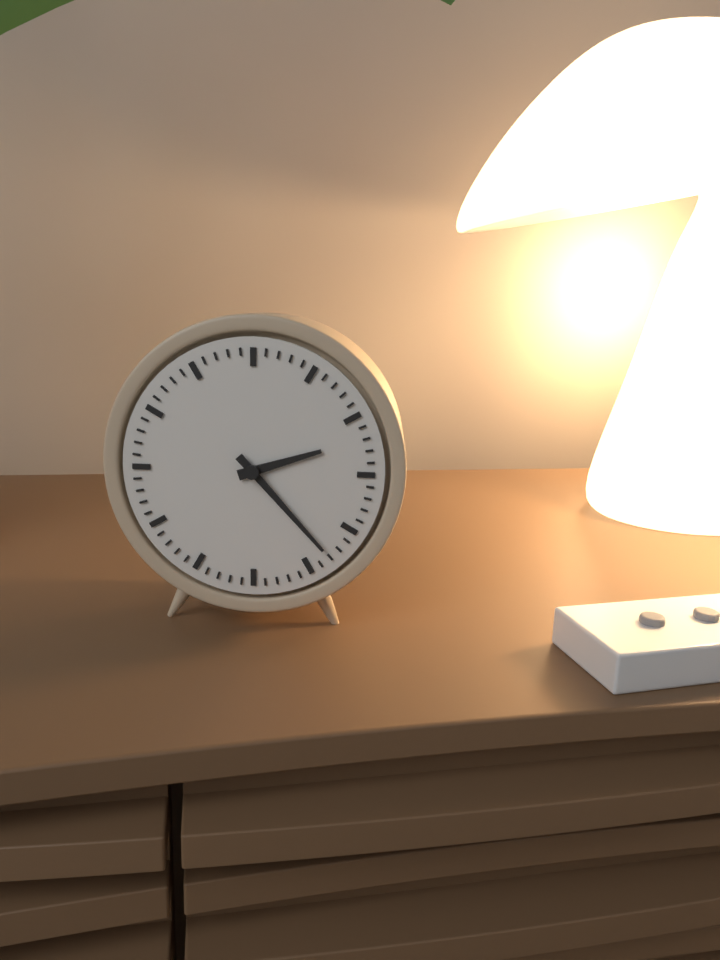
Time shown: 2:23
